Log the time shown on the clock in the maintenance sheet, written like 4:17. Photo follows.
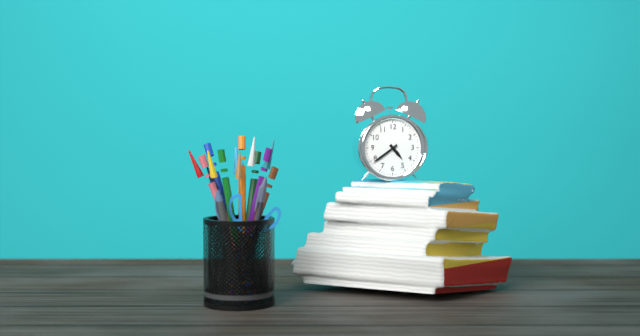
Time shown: 4:39
